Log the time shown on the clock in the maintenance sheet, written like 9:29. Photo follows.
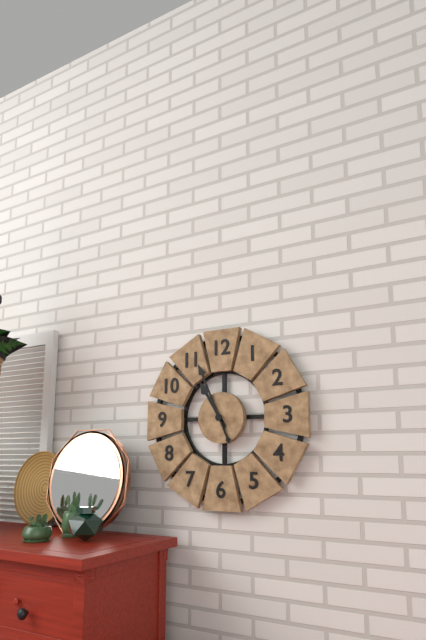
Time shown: 10:56
